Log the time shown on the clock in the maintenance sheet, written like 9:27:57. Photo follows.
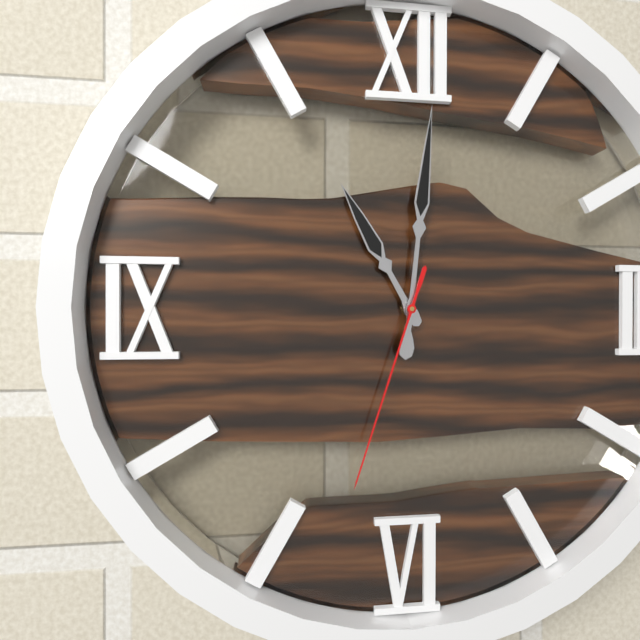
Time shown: 11:01:33
